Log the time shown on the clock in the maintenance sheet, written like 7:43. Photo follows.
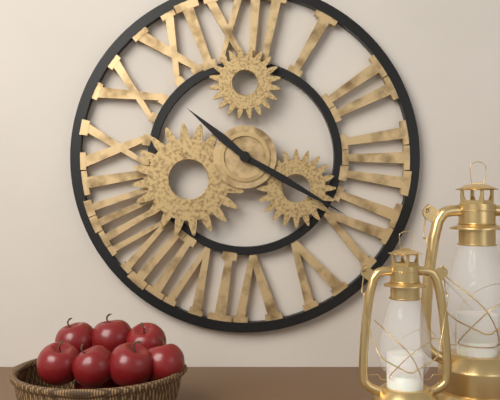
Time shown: 10:20
